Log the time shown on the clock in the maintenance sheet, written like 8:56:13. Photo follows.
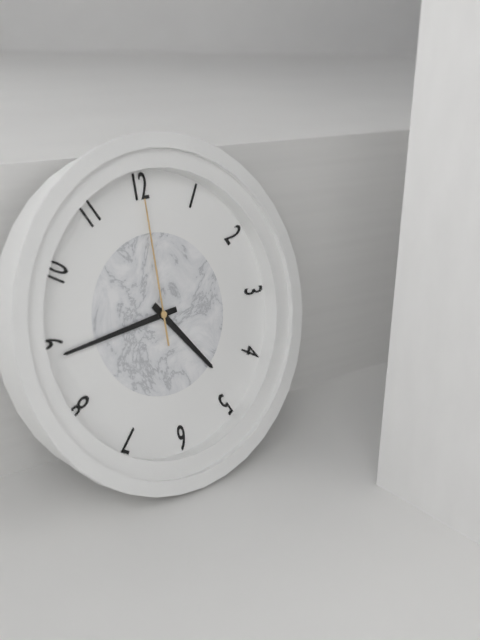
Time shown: 4:44:00
